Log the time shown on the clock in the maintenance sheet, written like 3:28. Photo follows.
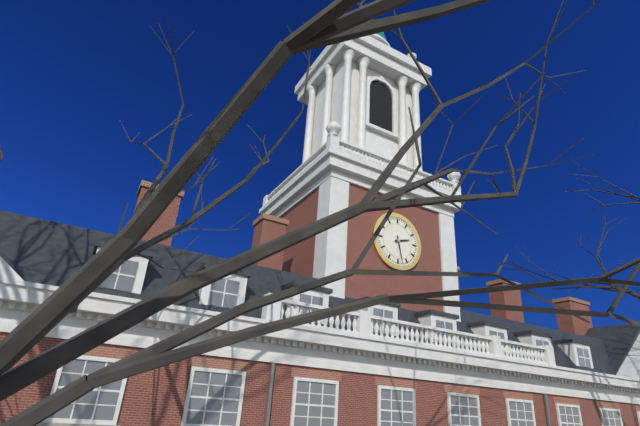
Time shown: 2:28
